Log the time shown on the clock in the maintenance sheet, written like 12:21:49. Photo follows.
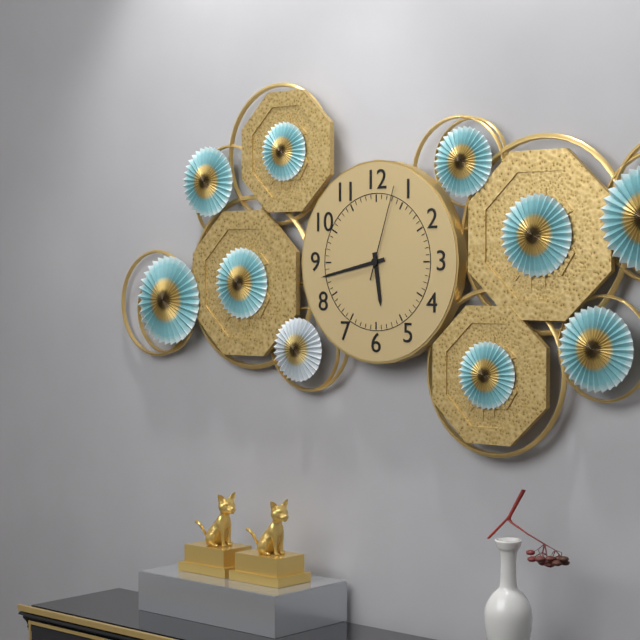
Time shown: 5:43:03
